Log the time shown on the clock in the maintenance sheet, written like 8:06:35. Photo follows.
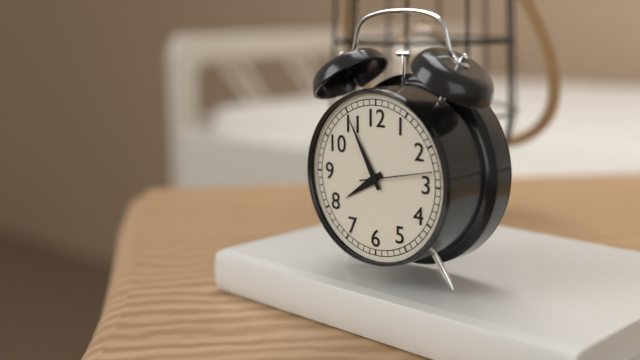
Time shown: 7:55:13
